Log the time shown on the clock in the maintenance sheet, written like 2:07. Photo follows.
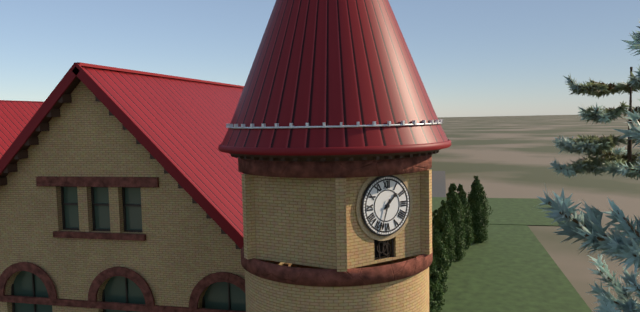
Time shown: 1:33
